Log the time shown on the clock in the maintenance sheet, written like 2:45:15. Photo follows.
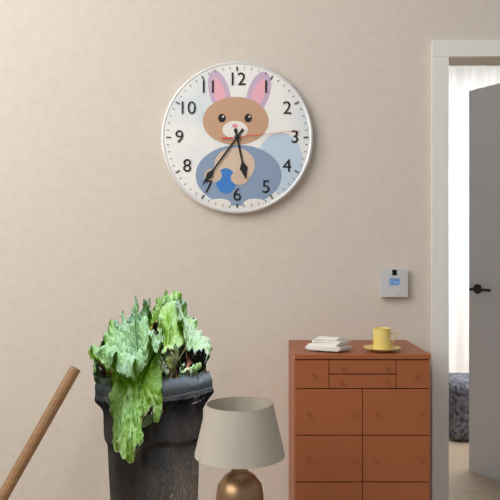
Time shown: 5:36:14
